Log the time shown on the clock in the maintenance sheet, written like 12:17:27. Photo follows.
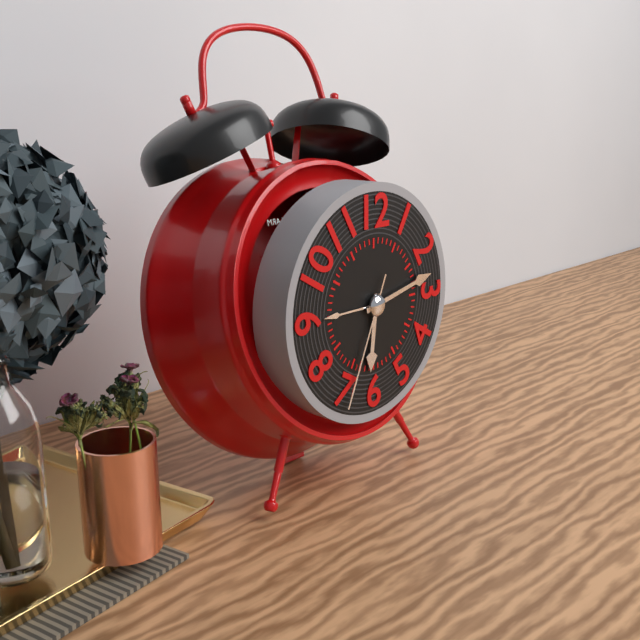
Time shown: 6:13:34
